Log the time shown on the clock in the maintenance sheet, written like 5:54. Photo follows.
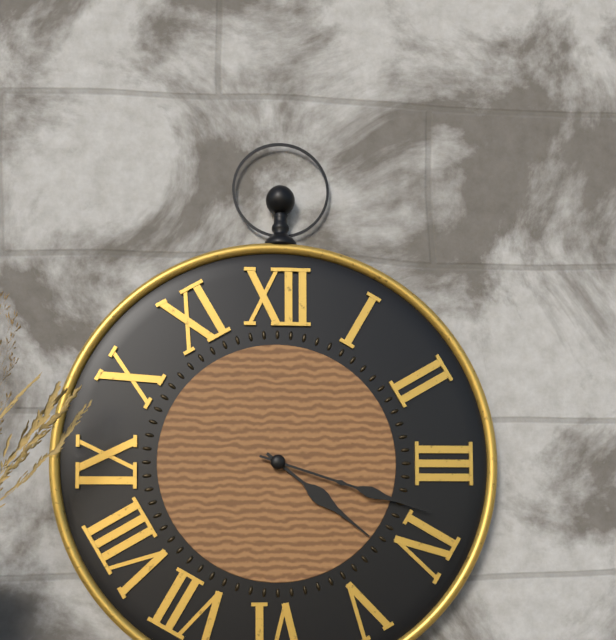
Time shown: 4:18
